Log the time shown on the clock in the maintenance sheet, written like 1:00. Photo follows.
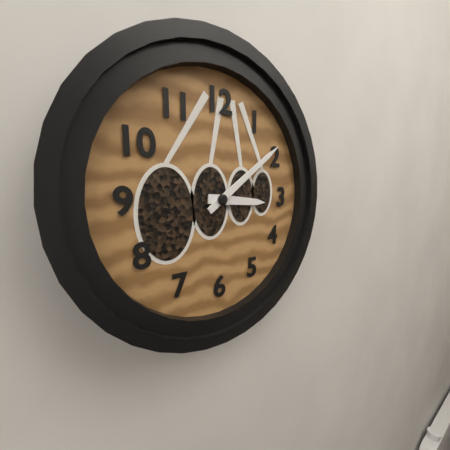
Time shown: 3:09
